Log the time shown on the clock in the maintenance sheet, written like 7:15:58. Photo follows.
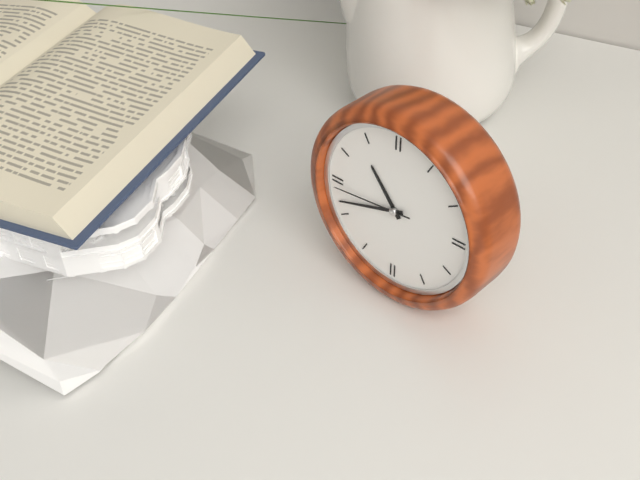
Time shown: 10:42:44
